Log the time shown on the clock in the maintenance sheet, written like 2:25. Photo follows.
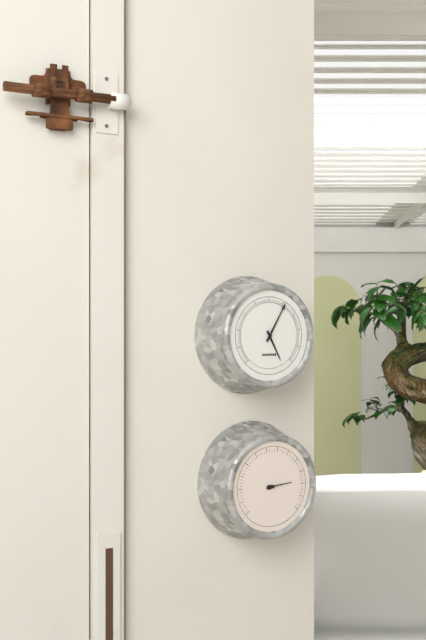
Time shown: 5:05
